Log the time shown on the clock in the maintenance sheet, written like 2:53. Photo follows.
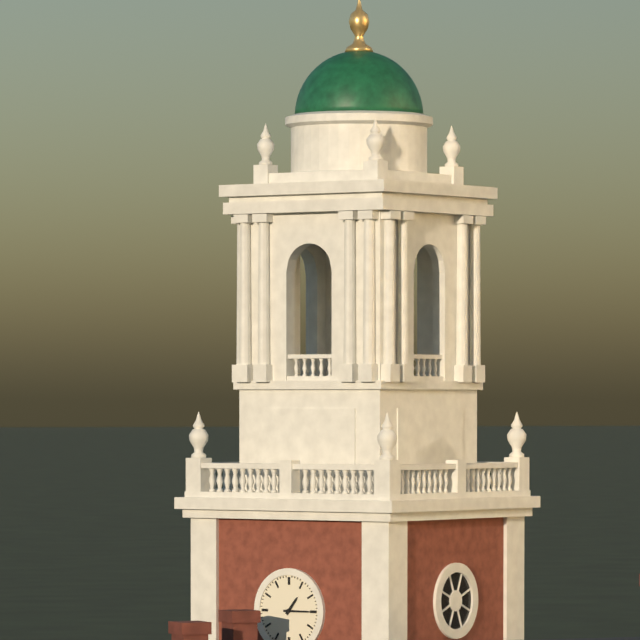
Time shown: 1:15
